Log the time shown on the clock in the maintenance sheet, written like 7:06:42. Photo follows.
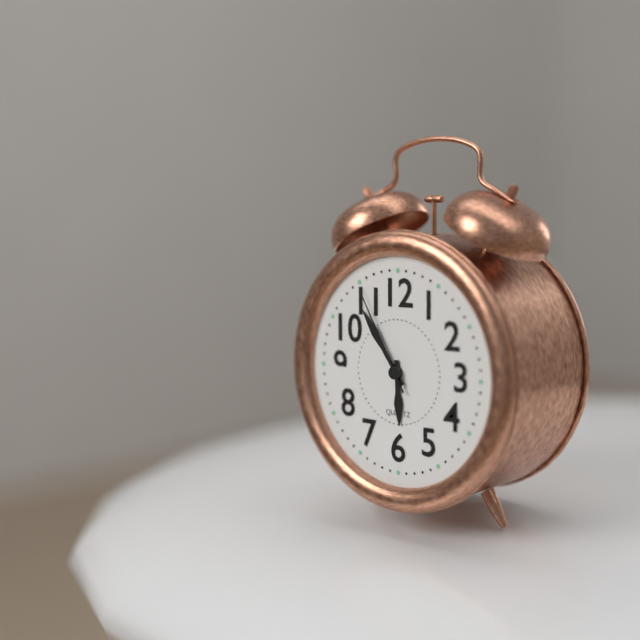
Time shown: 5:54:55
